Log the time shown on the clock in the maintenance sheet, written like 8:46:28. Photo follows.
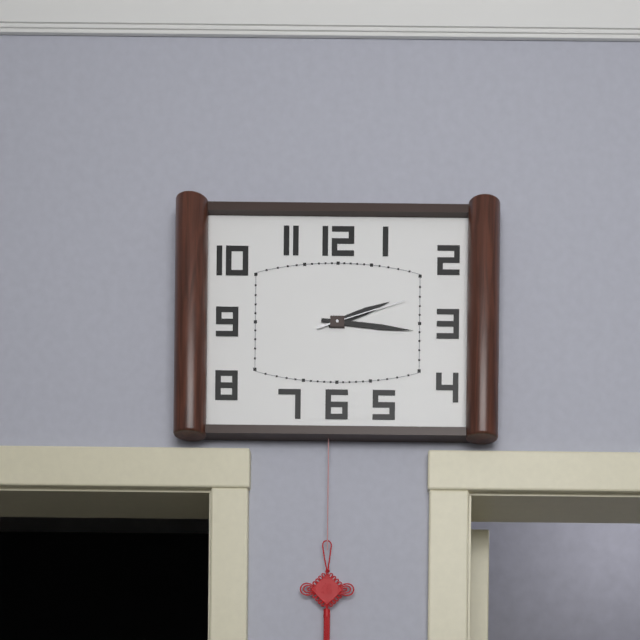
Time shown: 2:16:12
